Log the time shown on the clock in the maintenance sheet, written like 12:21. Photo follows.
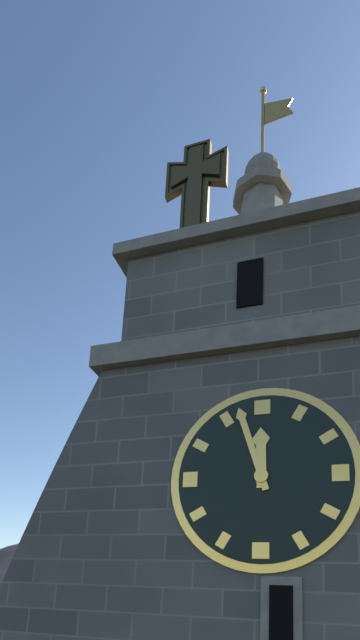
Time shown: 11:57
